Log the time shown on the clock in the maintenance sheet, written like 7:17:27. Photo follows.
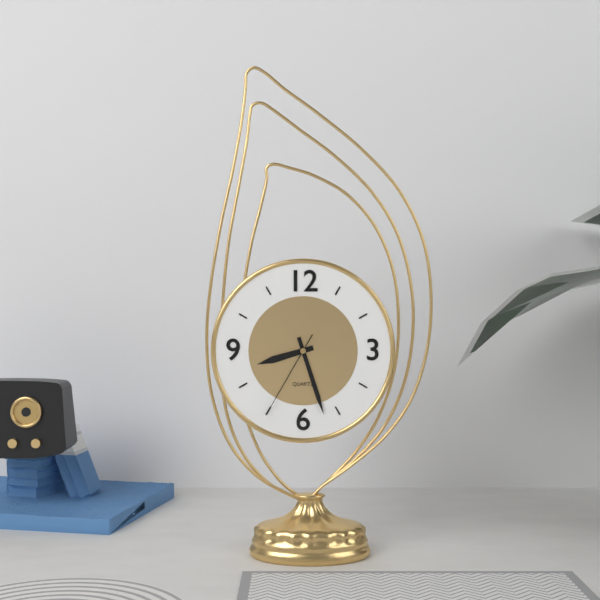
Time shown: 8:27:35
